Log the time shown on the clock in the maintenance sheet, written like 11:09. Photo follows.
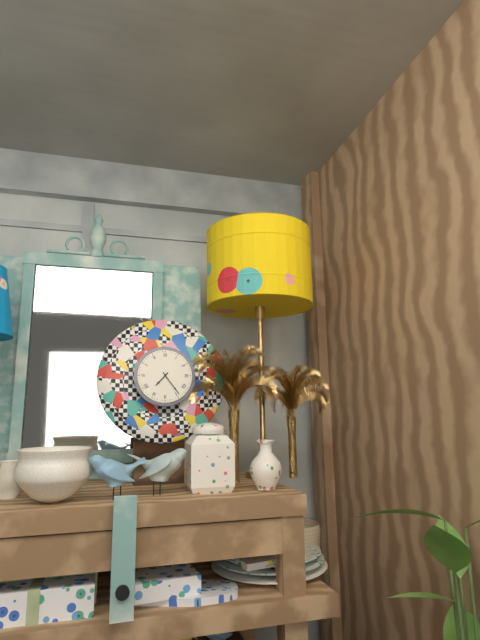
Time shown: 7:24
